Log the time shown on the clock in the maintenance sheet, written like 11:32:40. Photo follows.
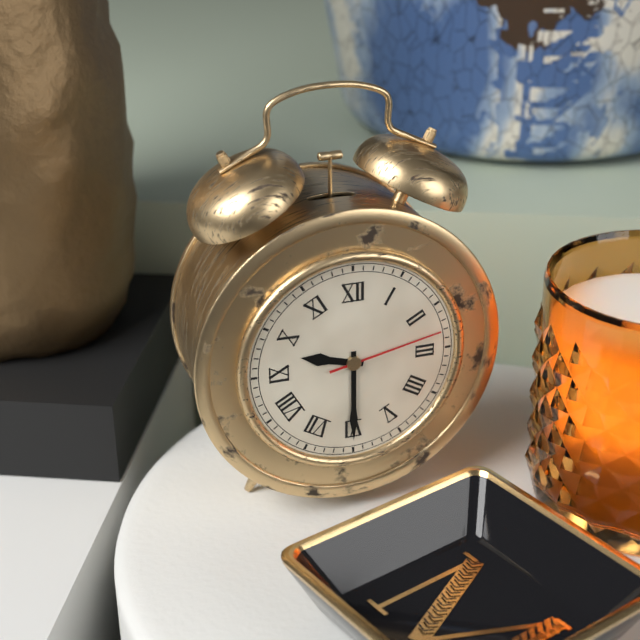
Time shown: 9:30:13
